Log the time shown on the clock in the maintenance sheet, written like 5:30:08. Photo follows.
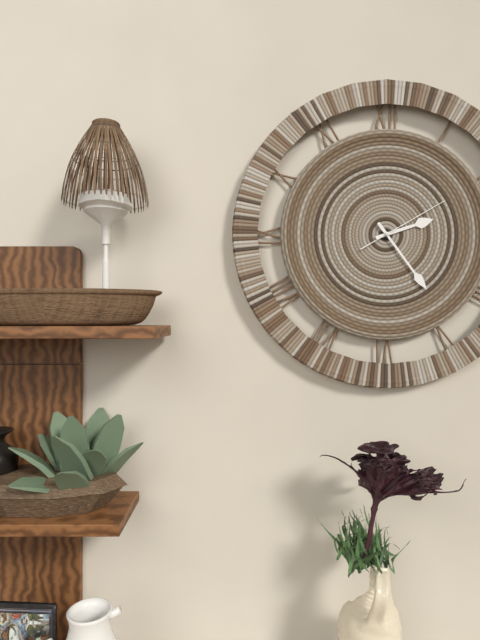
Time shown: 2:24:10
